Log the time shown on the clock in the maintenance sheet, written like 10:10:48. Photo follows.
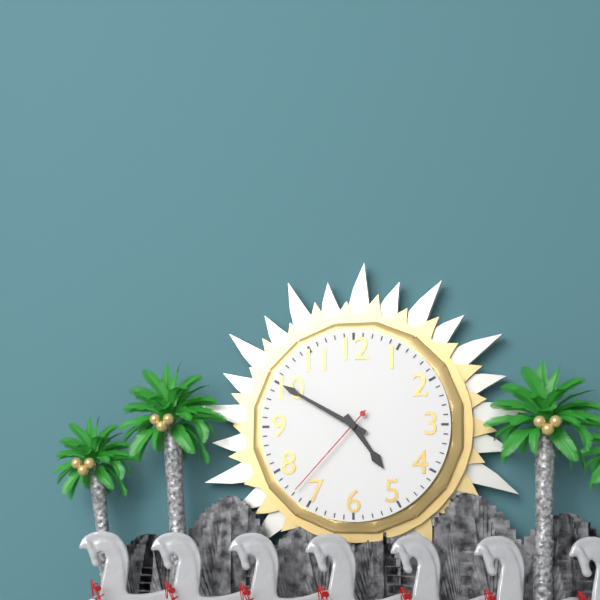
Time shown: 4:50:37
